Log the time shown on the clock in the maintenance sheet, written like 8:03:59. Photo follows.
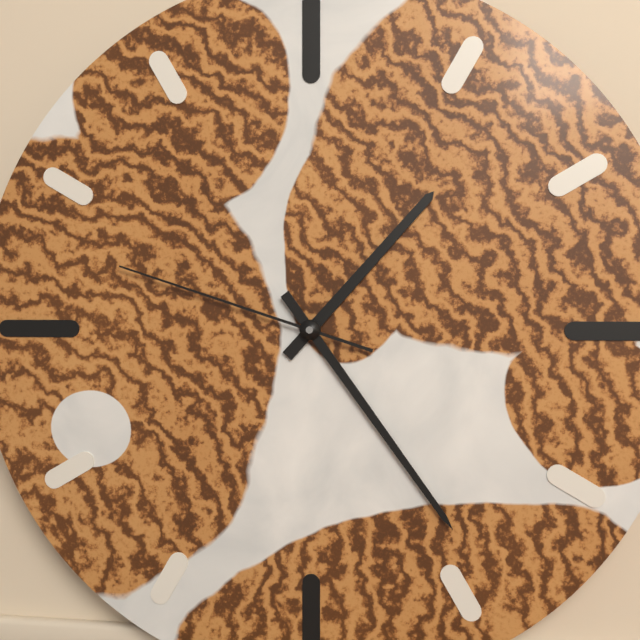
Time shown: 1:24:48
